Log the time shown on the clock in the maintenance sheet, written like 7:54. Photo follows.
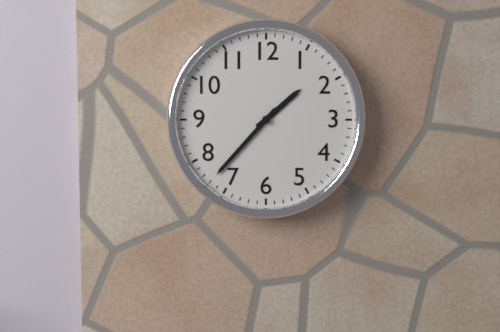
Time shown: 1:37
